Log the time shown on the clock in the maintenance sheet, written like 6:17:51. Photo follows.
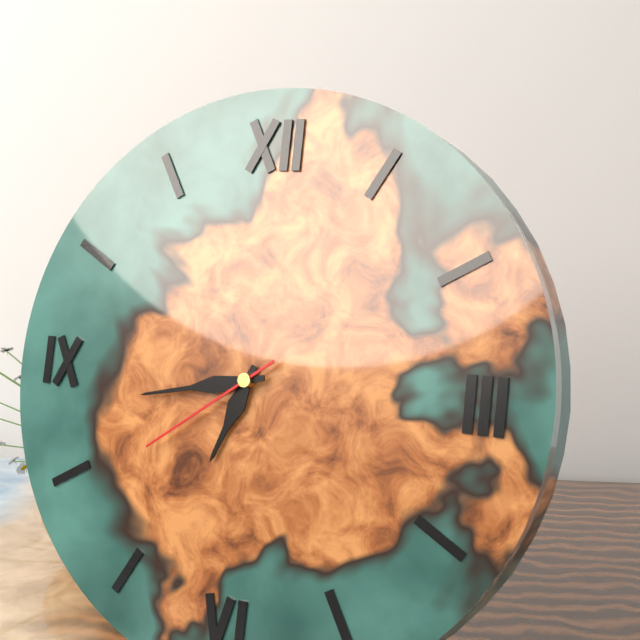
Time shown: 6:43:39
